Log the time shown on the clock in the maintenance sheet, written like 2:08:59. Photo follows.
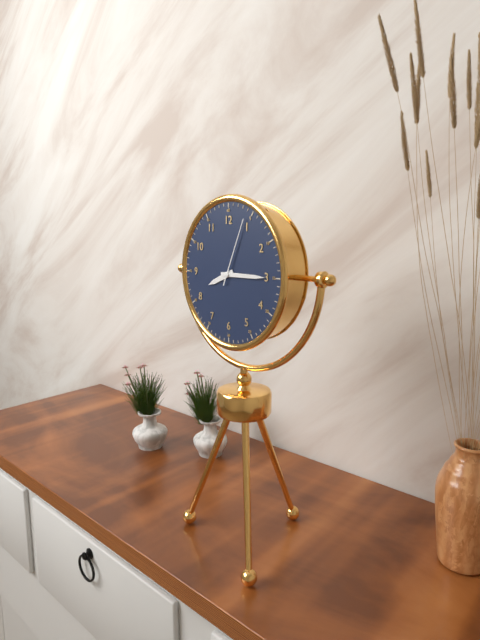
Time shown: 8:15:04
